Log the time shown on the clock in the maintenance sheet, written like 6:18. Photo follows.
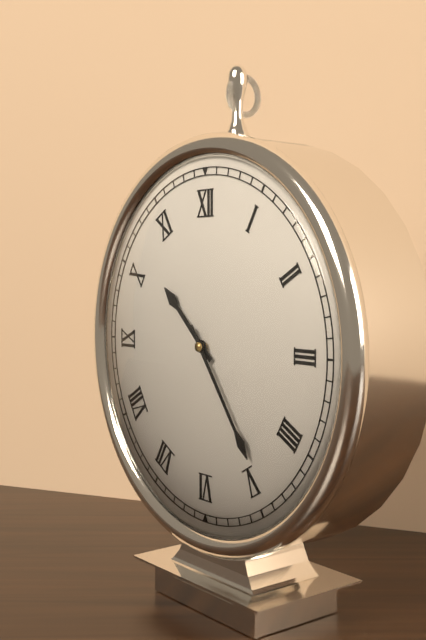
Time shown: 10:24
